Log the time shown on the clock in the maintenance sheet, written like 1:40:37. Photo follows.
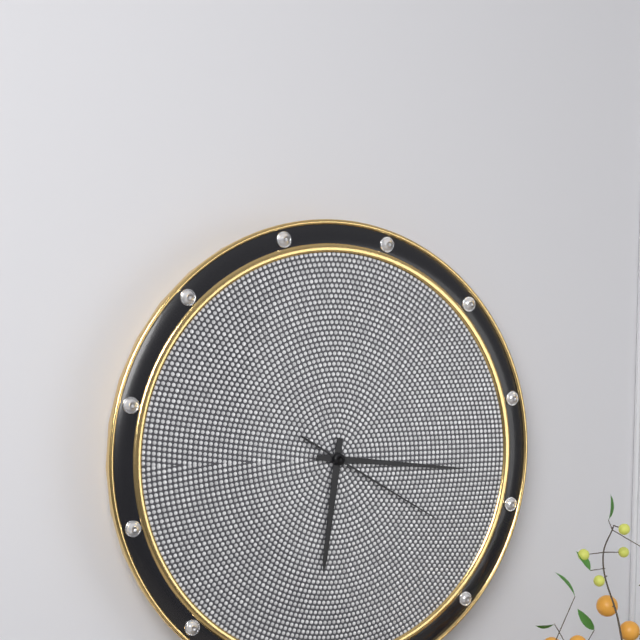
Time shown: 6:16:20
